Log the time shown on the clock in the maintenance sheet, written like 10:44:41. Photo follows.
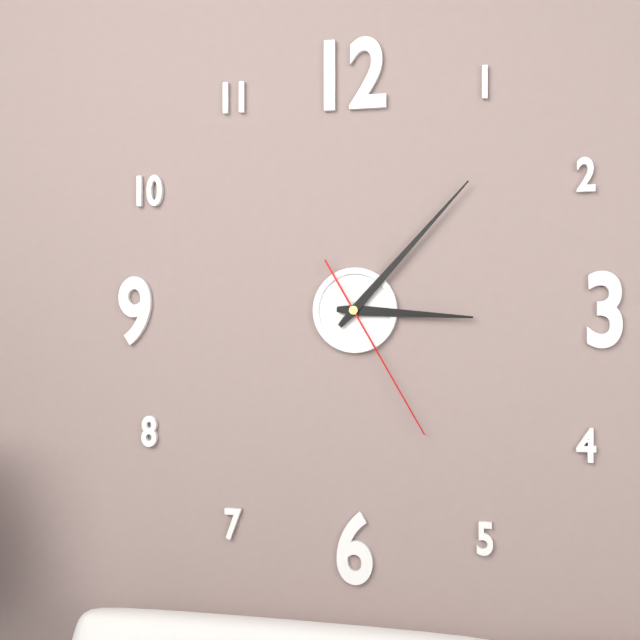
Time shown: 3:07:25
